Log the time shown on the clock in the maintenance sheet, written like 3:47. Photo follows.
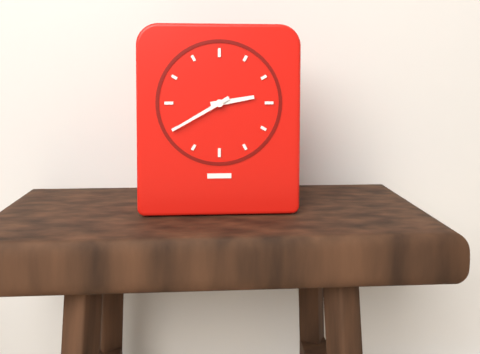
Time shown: 2:40
